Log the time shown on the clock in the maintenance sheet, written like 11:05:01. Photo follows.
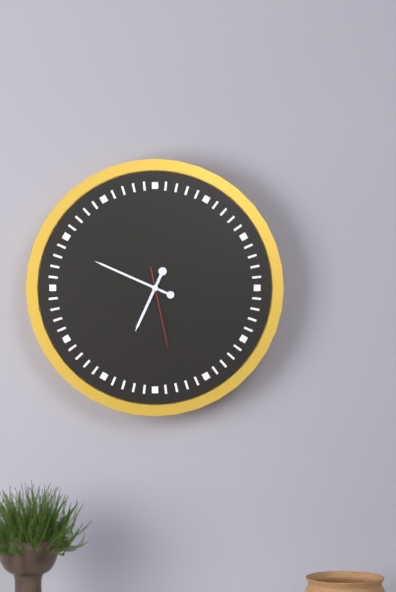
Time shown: 6:49:28
